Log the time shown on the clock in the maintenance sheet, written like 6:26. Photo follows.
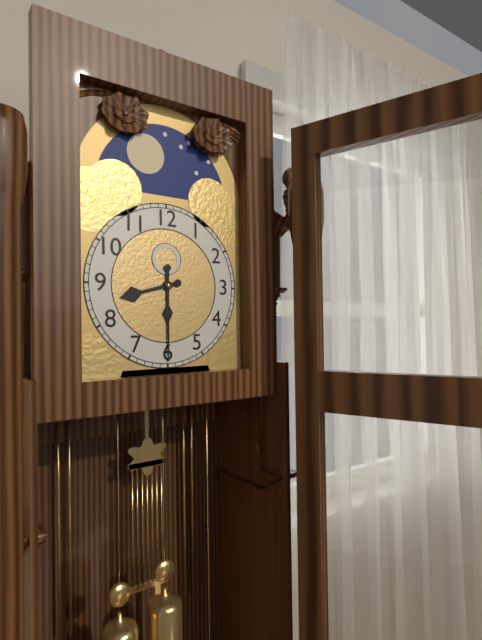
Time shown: 8:30
